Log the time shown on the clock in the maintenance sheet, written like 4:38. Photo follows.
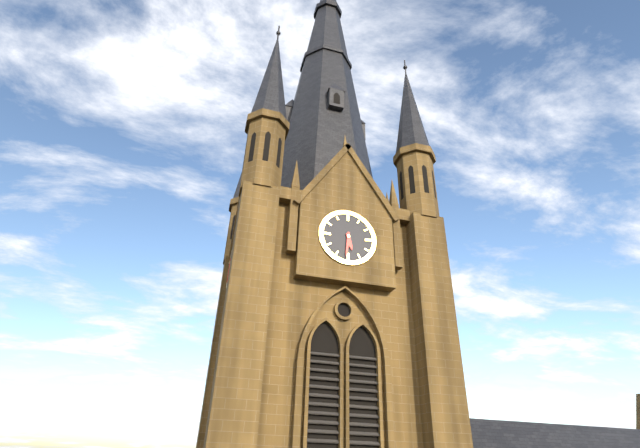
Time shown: 5:31
